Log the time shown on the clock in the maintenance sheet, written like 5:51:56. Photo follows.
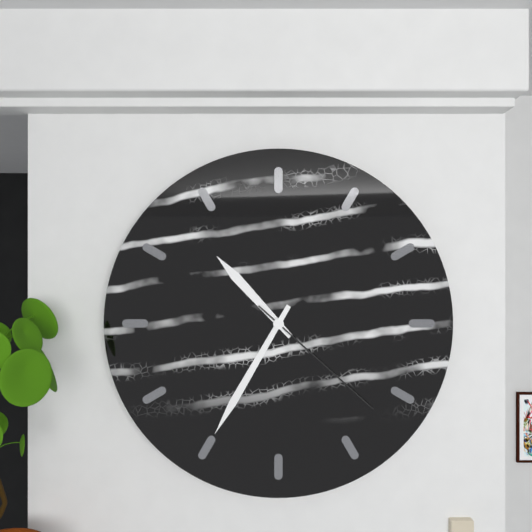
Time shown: 10:35:22
